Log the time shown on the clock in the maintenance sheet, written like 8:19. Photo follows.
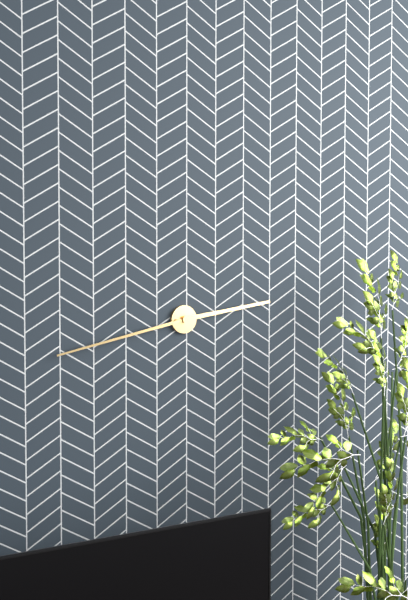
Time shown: 2:43
